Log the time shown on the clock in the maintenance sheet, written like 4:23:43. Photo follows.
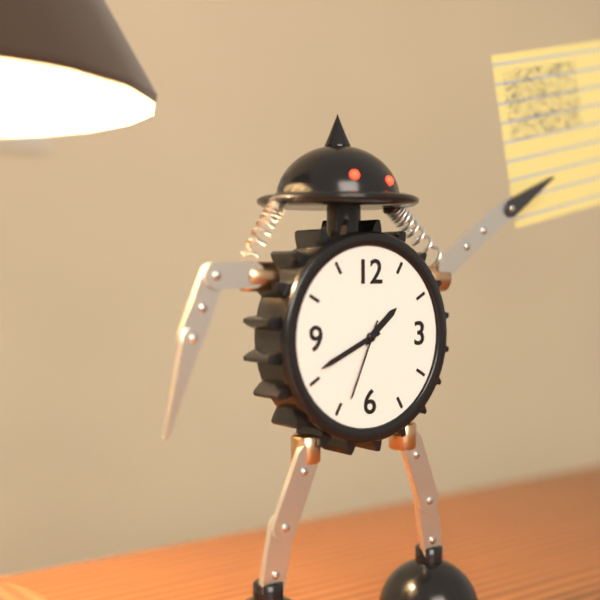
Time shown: 1:41:34
